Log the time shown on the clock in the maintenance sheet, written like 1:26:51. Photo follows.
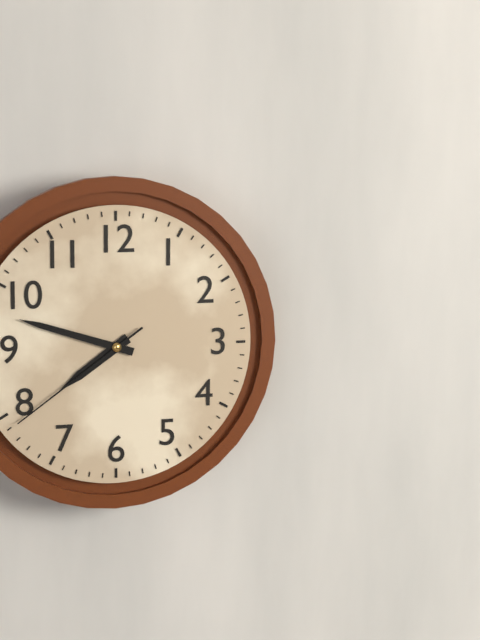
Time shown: 7:48:39
